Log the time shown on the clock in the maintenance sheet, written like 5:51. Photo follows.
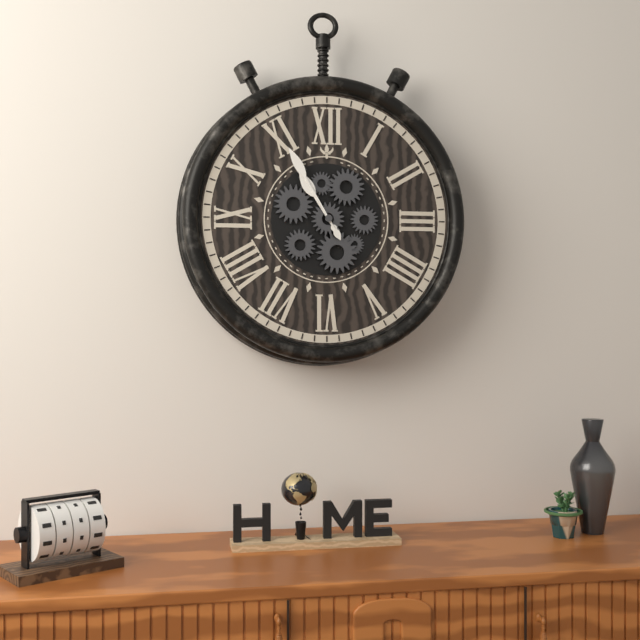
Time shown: 10:55
